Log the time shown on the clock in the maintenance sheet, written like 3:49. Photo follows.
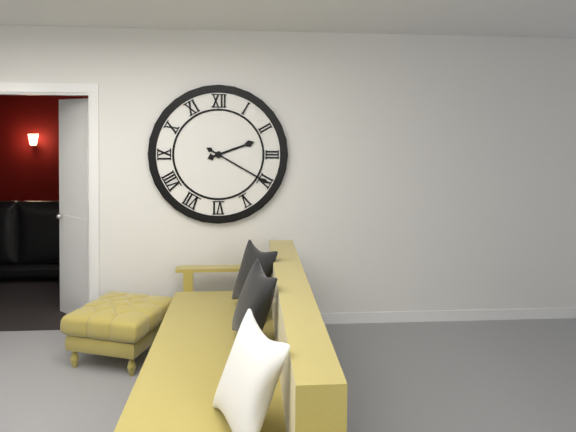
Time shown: 2:20
